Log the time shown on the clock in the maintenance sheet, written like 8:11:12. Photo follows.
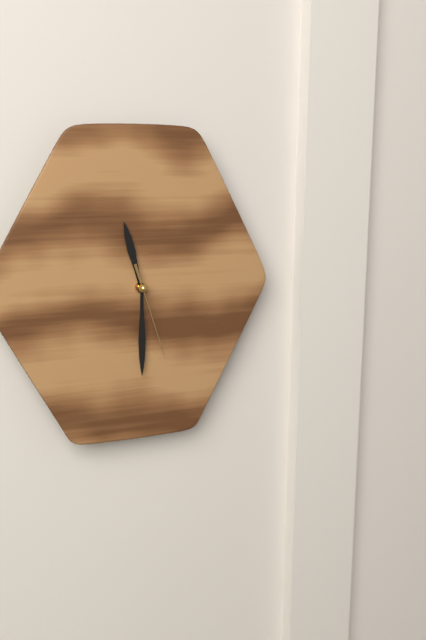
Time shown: 11:30:27
